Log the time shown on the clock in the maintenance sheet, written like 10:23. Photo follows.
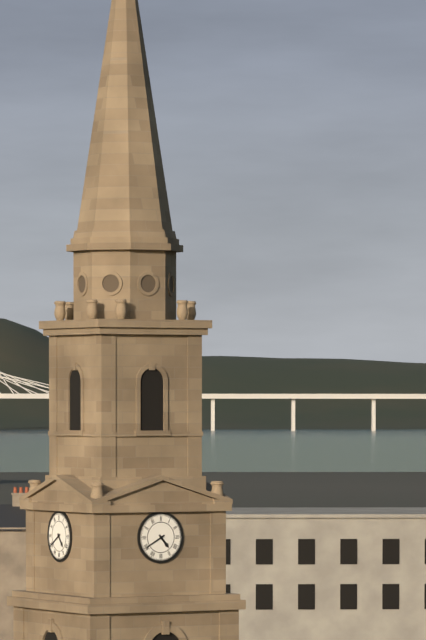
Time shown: 4:40
